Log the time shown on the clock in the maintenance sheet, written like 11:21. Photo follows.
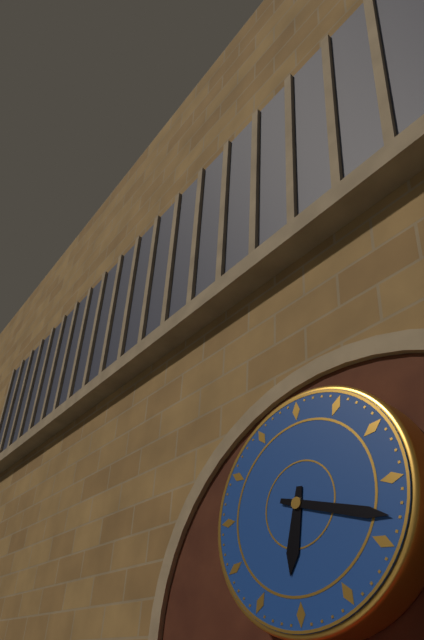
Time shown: 6:18
